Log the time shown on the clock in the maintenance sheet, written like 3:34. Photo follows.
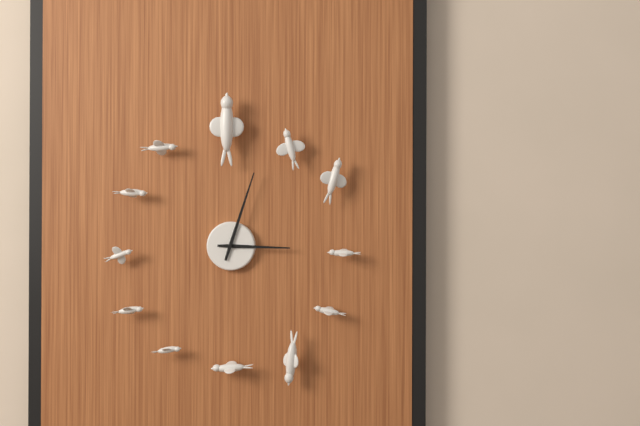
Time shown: 3:03
